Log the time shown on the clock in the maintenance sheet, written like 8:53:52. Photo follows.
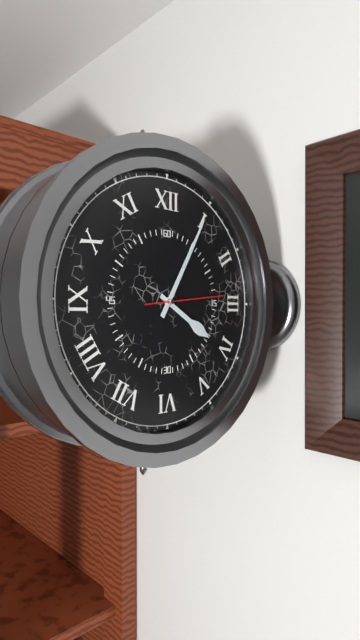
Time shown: 4:05:14
